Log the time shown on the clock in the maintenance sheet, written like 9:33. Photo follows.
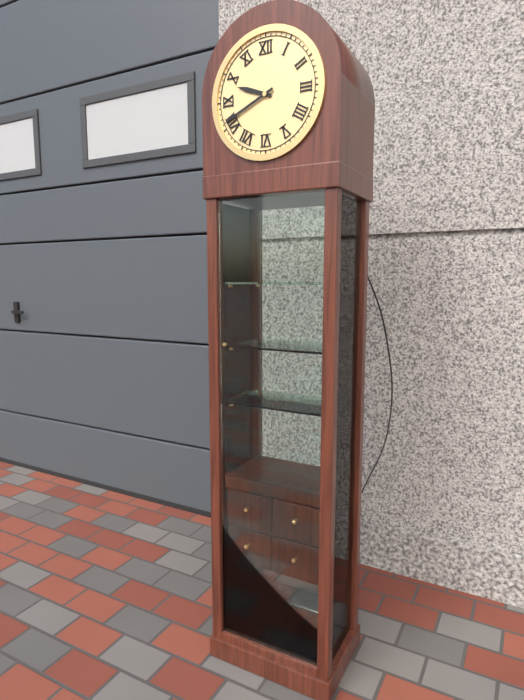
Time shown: 9:41
